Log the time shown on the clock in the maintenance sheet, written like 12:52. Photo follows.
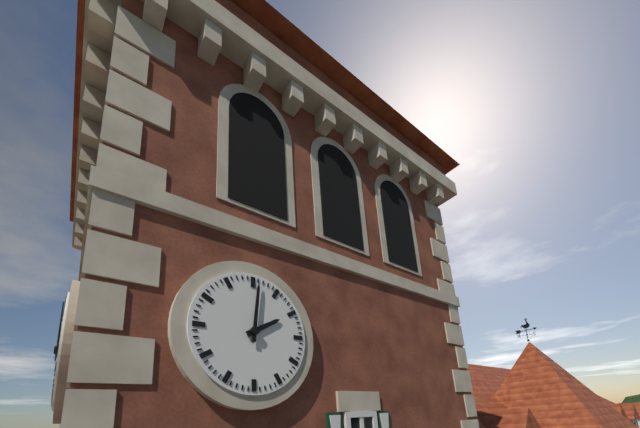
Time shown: 2:01
